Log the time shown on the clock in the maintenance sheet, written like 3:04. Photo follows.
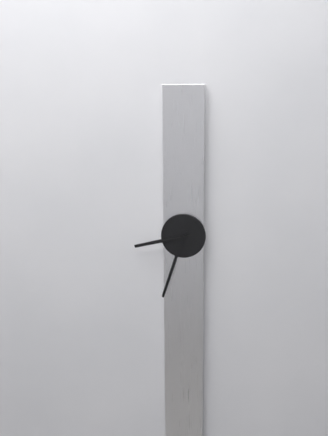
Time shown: 8:33
